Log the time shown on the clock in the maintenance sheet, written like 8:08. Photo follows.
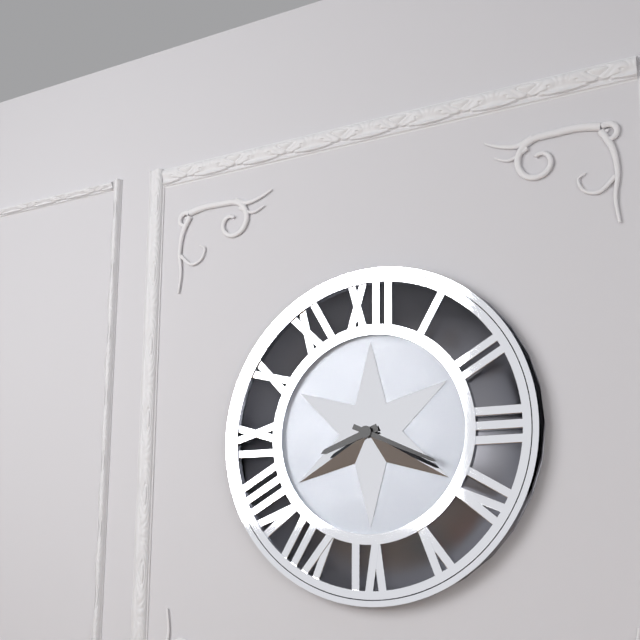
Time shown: 8:19
